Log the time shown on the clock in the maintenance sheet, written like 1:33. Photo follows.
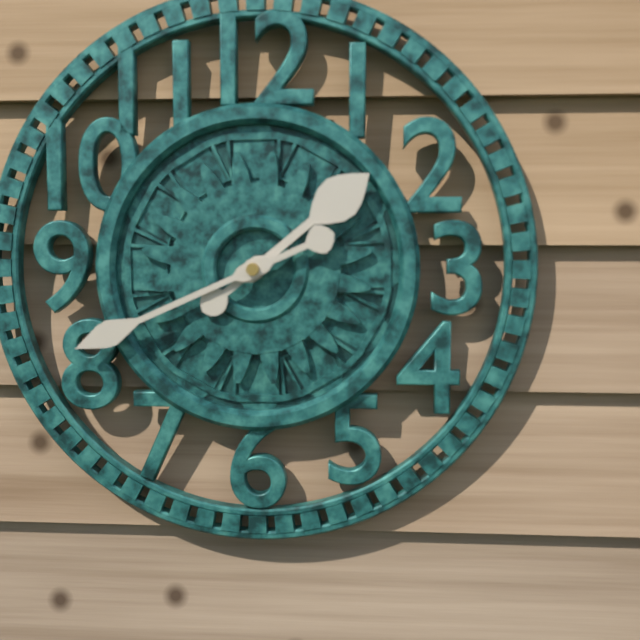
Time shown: 1:41
